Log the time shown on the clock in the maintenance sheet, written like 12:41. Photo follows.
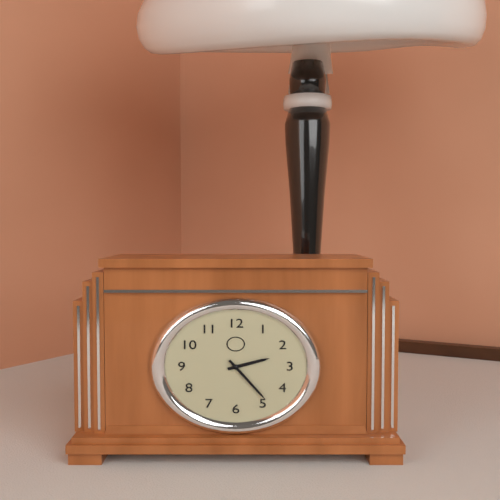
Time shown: 2:24
